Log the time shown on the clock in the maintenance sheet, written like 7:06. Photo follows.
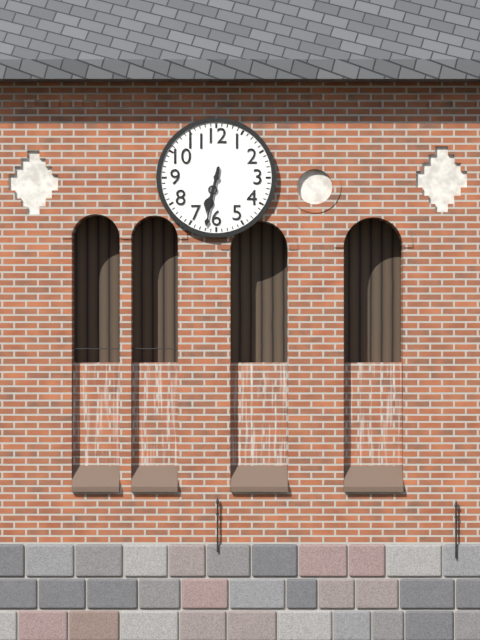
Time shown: 6:32
